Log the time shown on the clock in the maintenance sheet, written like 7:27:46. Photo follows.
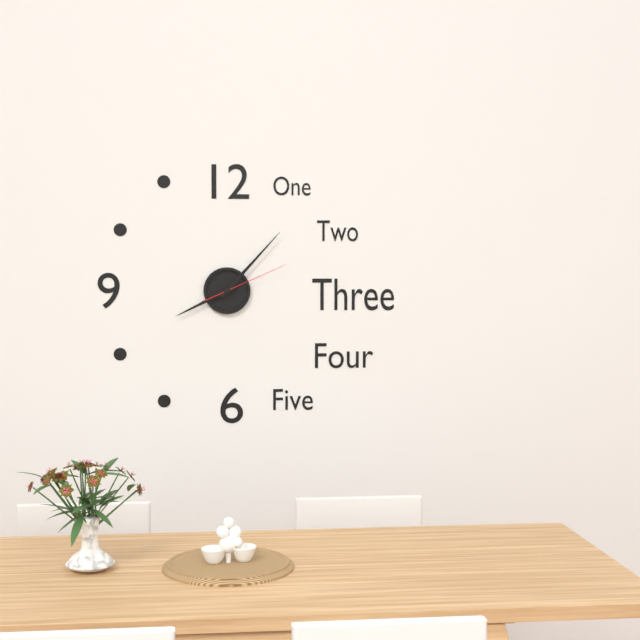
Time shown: 8:07:11
